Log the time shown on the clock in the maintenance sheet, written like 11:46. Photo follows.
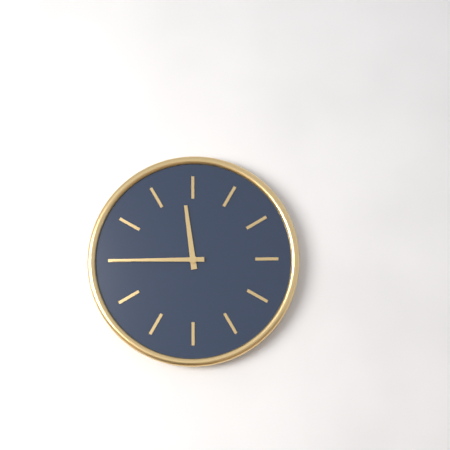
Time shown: 11:45
